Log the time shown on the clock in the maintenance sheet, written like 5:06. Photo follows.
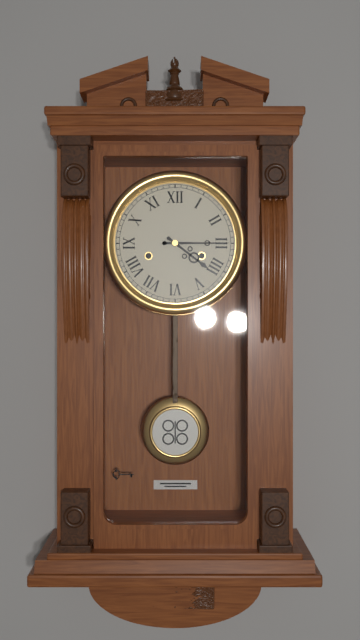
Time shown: 4:15
